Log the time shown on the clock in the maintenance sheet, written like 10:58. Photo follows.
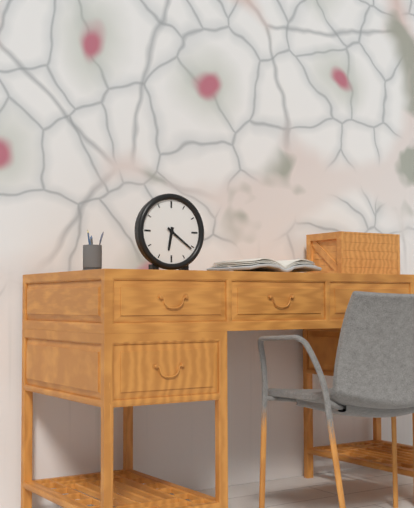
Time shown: 6:21
